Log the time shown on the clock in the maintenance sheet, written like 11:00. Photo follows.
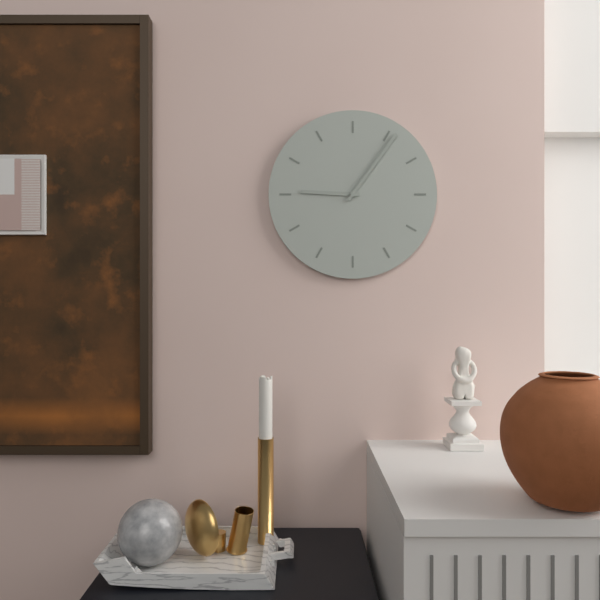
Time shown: 9:06
